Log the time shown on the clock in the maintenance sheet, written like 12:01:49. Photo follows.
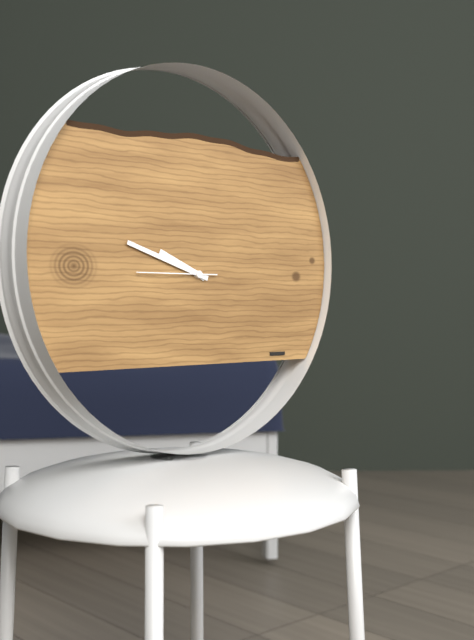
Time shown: 9:48:45
